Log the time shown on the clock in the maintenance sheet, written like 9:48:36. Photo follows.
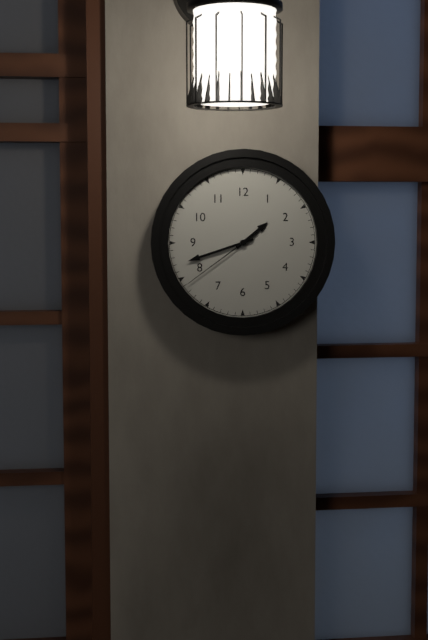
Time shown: 1:42:39
